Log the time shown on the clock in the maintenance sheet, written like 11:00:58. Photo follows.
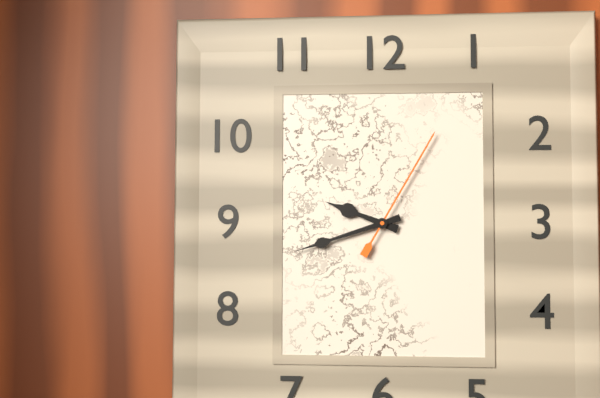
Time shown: 9:42:05
